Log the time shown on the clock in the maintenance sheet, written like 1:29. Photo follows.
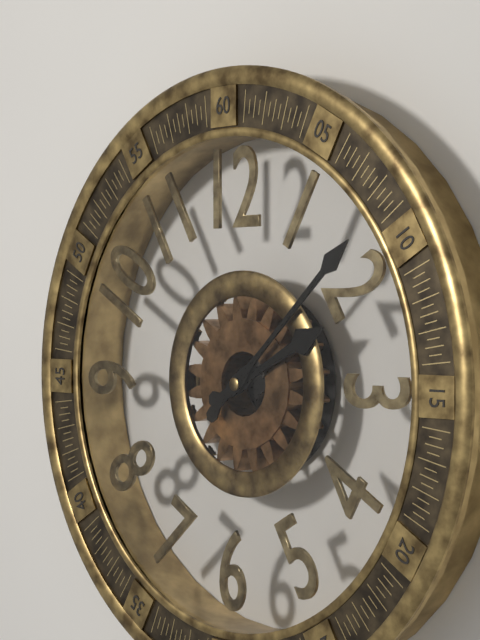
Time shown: 2:08
